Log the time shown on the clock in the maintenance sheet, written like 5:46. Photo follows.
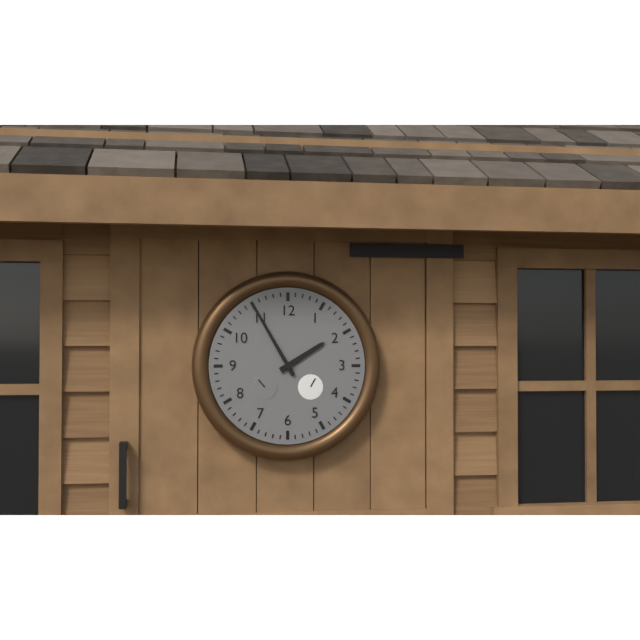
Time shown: 1:55
